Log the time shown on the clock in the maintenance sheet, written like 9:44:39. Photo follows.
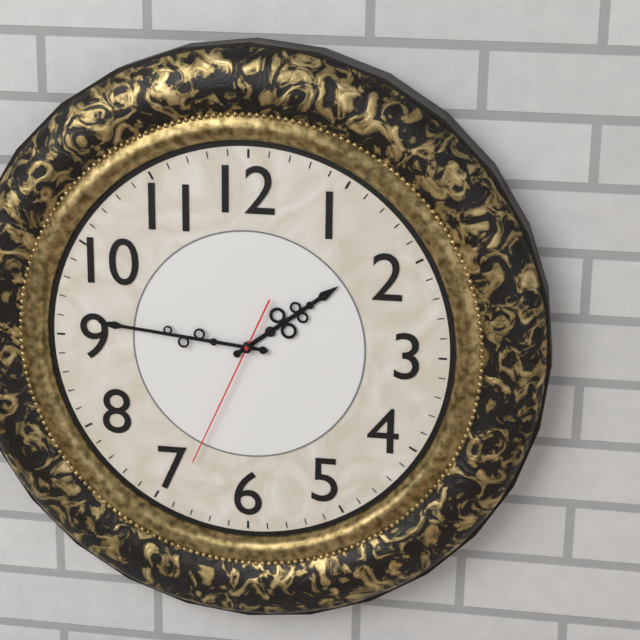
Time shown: 1:46:34
